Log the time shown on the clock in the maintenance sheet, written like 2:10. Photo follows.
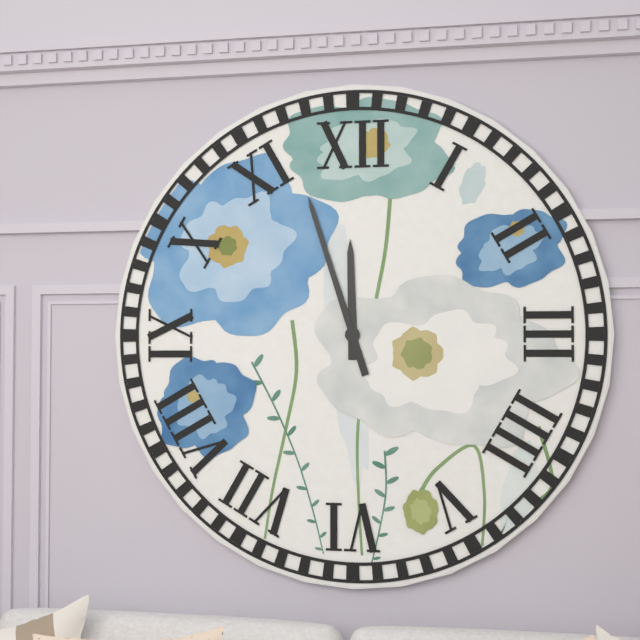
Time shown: 11:57
